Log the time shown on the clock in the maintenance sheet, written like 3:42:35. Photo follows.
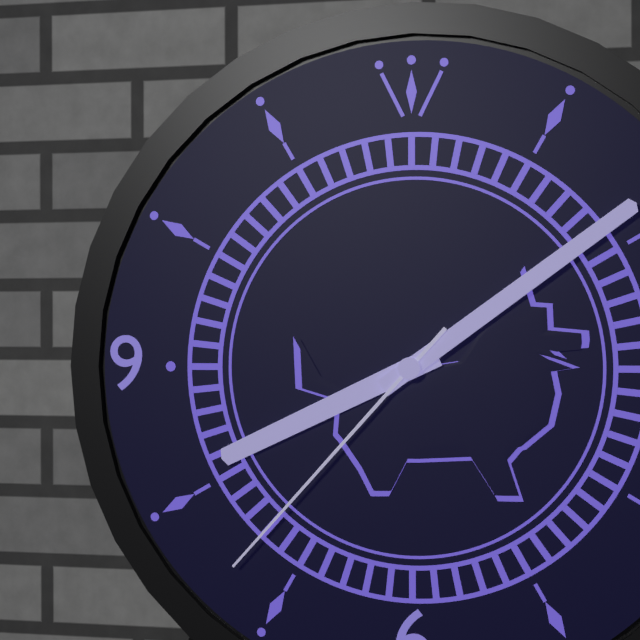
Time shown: 8:09:37
